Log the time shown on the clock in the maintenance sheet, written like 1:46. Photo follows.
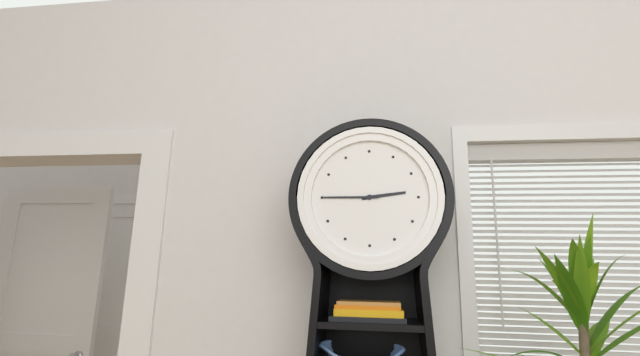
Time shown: 2:45
